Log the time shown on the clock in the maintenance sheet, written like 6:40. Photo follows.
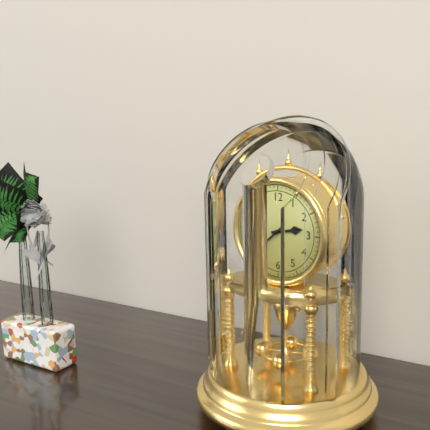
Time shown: 2:38
